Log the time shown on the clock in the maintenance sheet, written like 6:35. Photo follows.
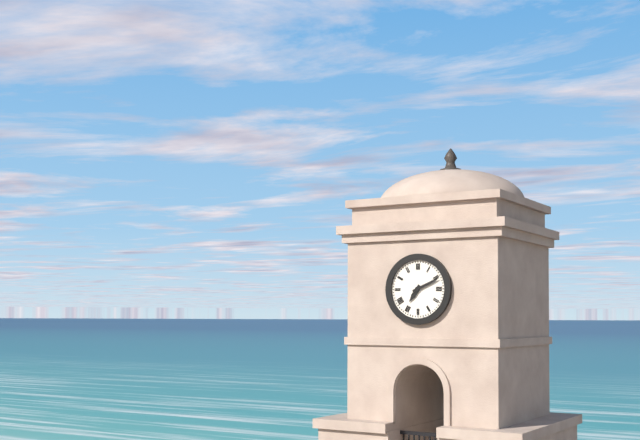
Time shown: 7:11
